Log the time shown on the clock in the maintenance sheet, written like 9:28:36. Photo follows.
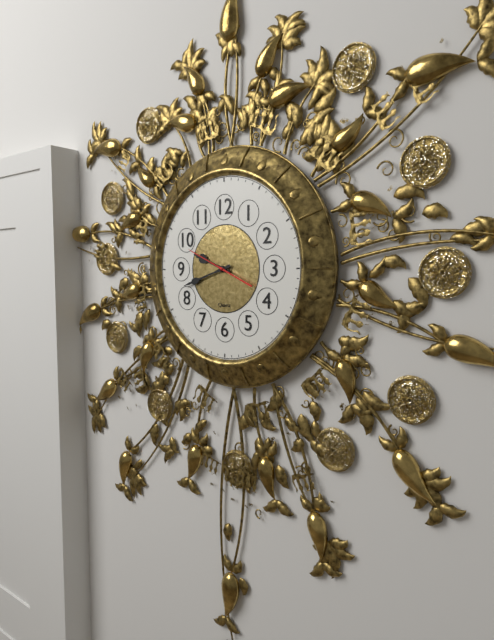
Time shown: 9:42:49
